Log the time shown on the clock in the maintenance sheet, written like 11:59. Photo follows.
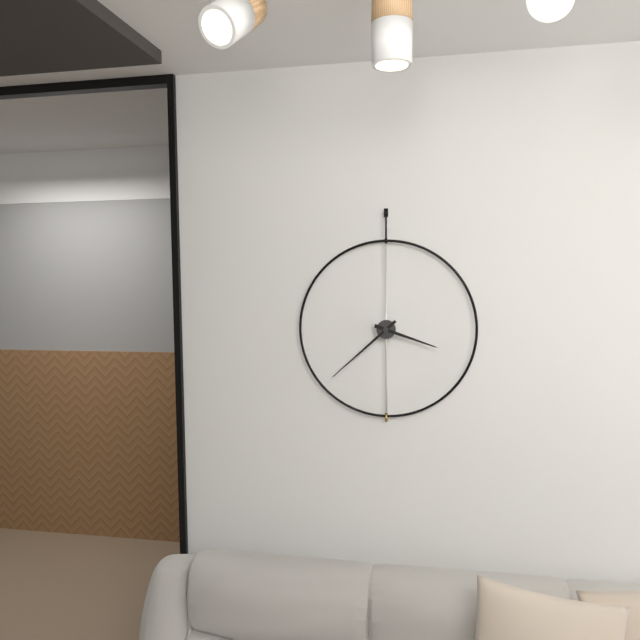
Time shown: 3:38
